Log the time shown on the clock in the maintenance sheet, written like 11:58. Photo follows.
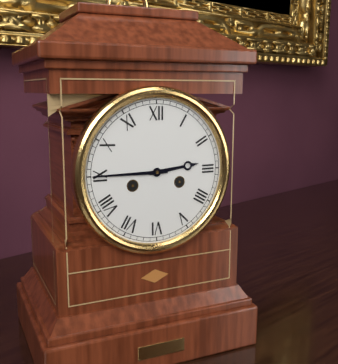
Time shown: 2:45
